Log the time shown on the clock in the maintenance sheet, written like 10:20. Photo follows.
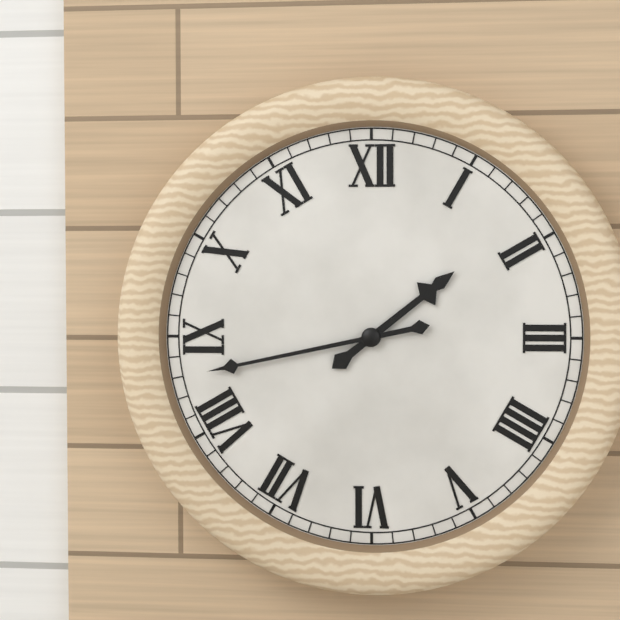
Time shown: 1:43
